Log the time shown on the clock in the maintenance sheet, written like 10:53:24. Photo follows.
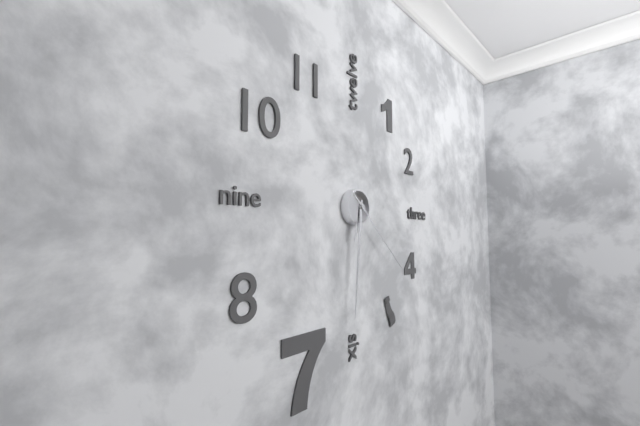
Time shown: 6:31:22
